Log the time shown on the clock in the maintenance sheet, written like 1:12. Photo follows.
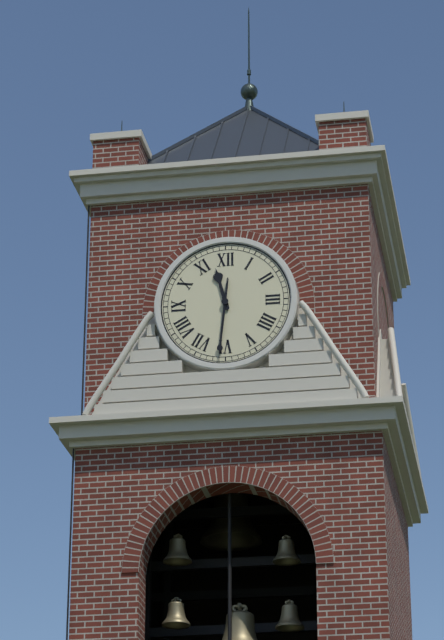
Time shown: 11:31
